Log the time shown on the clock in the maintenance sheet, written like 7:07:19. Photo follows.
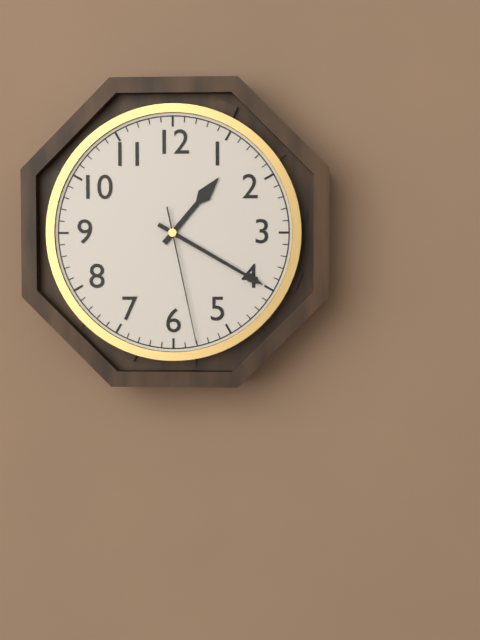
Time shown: 1:20:28
